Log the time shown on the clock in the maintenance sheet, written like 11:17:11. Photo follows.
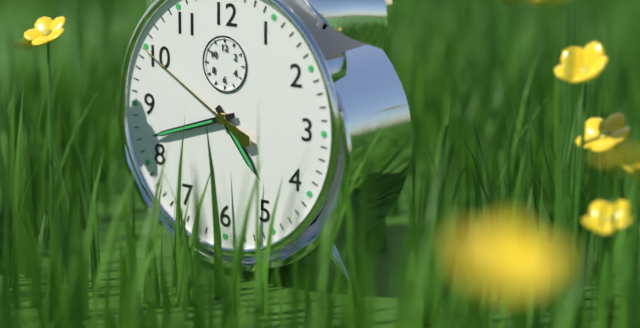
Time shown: 4:42:50
